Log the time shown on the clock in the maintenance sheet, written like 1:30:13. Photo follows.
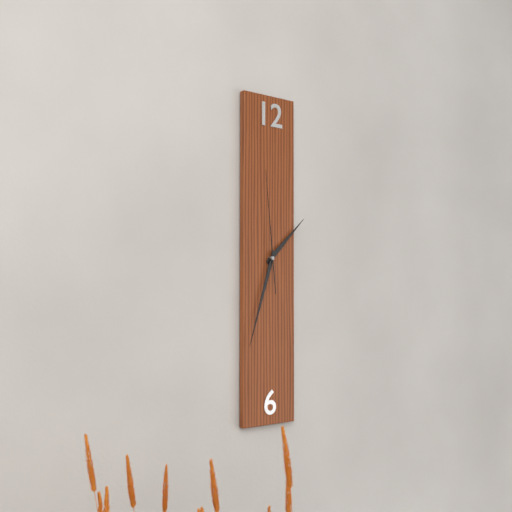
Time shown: 1:33:59
